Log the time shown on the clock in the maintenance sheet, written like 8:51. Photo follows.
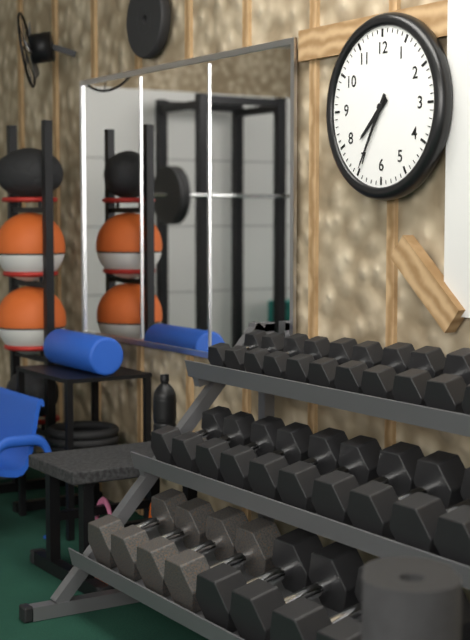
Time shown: 7:35
